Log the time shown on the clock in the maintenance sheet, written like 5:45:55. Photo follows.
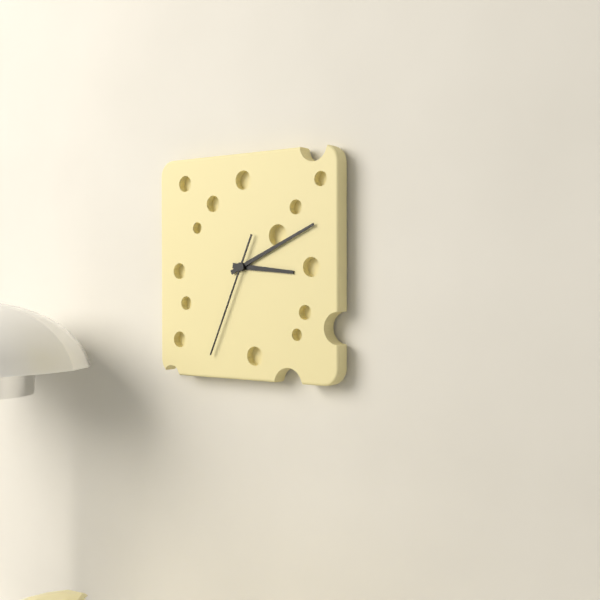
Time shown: 3:11:34
